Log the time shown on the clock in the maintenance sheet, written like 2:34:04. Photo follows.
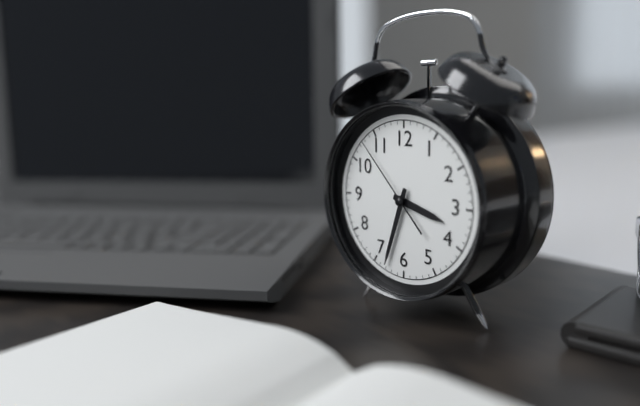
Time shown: 3:33:53
